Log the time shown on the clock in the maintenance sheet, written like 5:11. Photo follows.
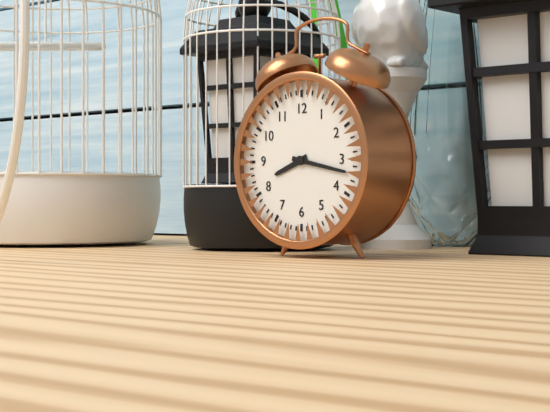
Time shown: 8:17
